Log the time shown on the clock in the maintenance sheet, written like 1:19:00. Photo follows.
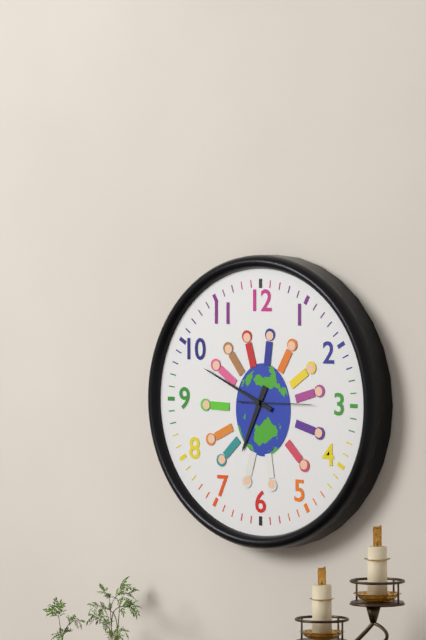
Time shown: 6:49:15
